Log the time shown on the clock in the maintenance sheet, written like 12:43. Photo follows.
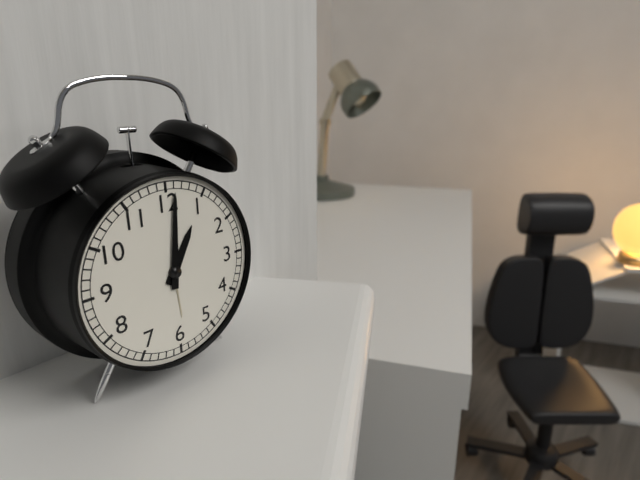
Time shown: 1:01
